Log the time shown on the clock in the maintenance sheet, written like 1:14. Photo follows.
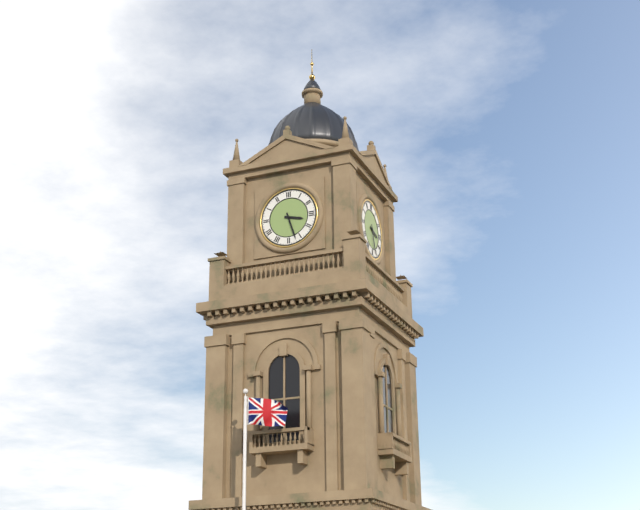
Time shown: 3:27
